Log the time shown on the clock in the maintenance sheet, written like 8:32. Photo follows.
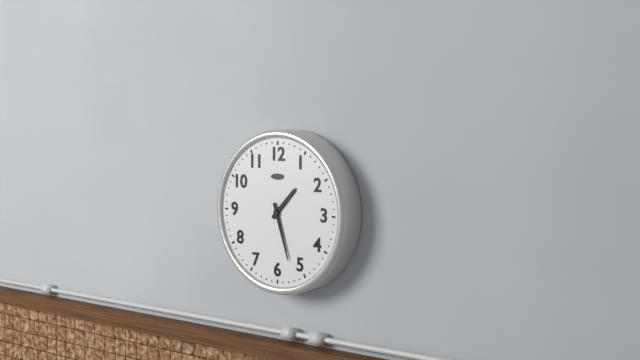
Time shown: 1:27
